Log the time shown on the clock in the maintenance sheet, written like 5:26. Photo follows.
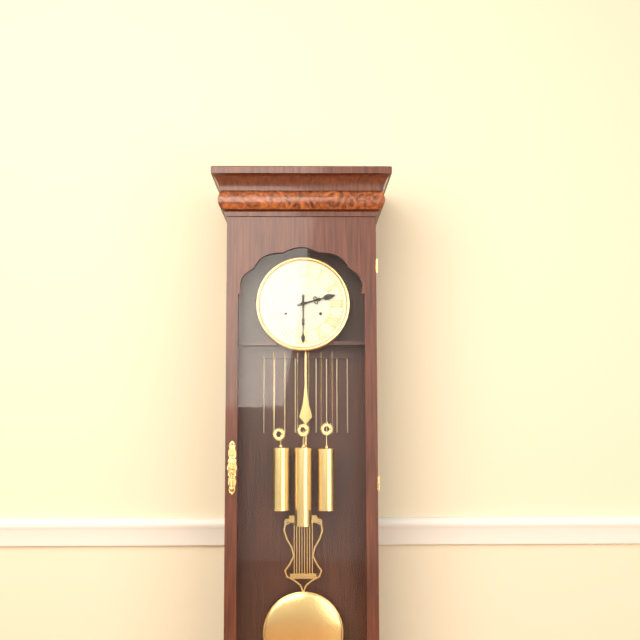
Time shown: 2:30
